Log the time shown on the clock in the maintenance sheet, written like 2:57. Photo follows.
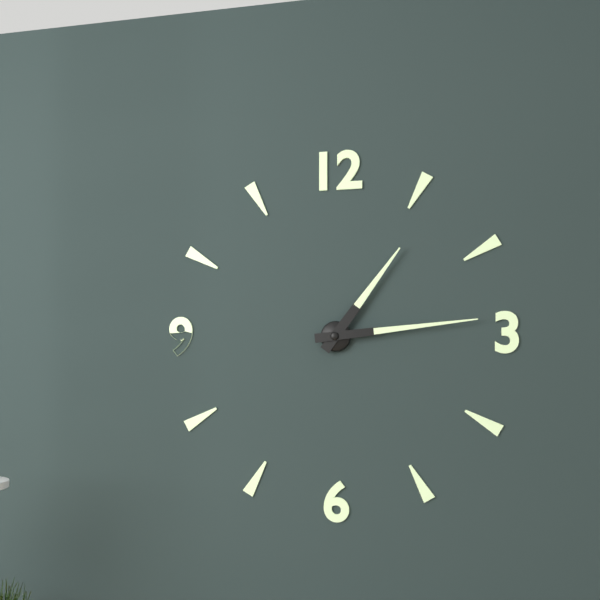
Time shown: 1:14
